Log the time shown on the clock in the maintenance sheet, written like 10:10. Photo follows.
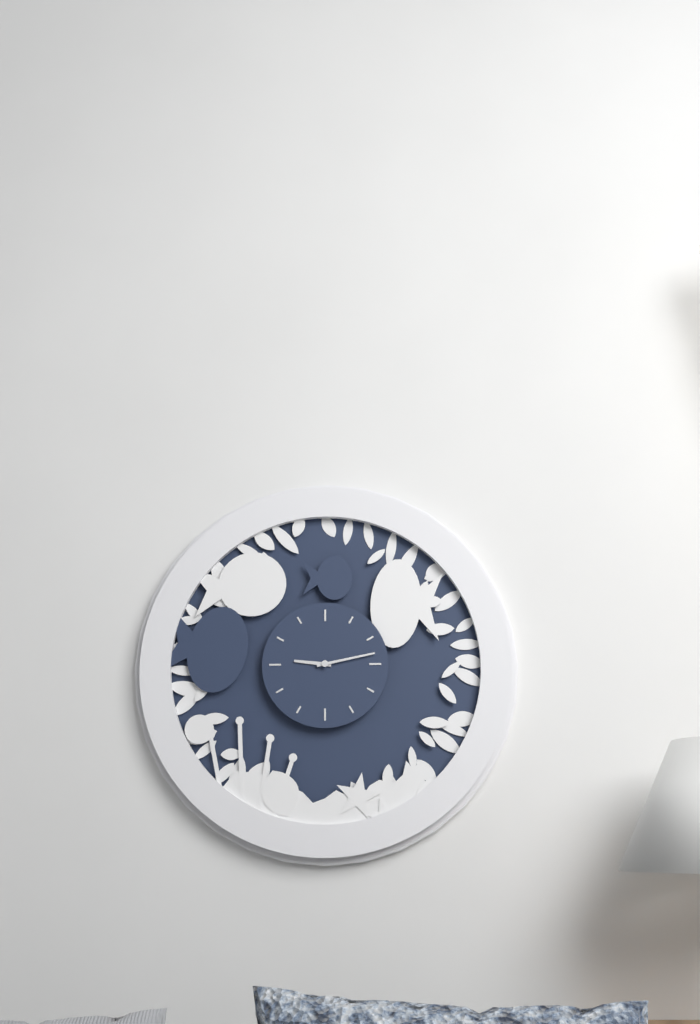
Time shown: 9:13
